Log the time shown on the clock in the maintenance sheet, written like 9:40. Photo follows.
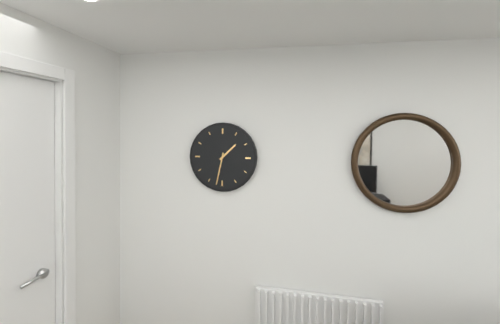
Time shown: 1:32
